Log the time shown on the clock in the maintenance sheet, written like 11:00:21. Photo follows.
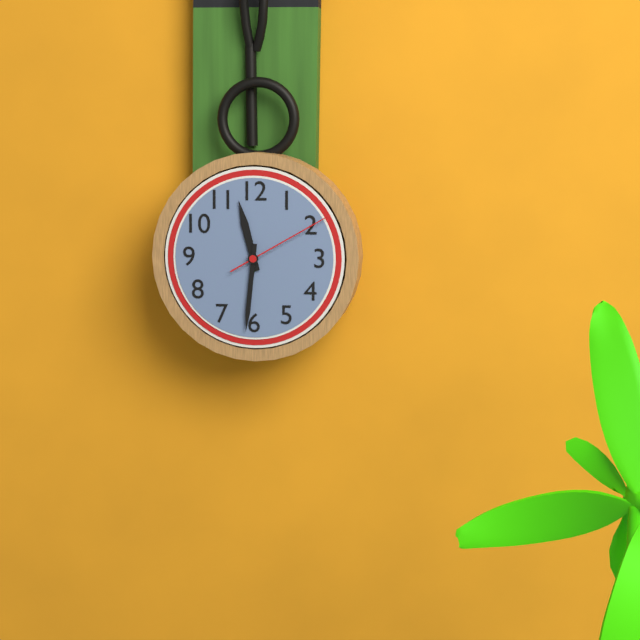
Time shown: 11:31:10
